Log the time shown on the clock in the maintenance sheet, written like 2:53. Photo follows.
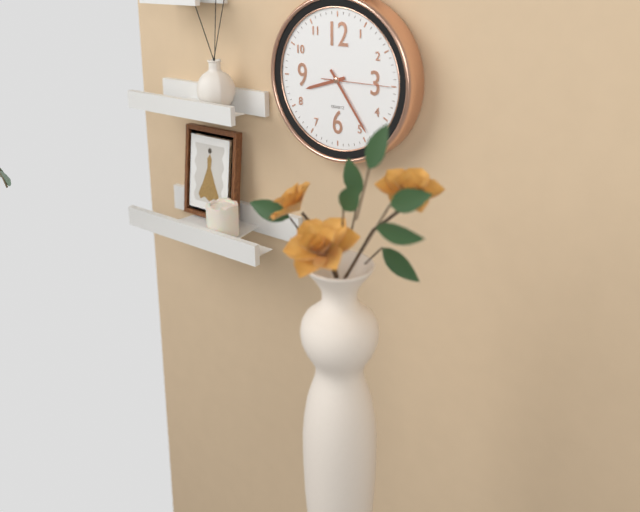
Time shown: 8:24
